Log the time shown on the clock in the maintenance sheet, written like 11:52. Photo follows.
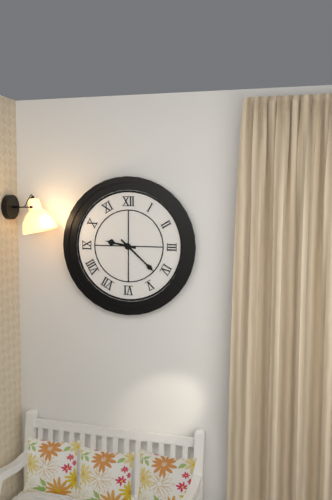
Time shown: 9:22
